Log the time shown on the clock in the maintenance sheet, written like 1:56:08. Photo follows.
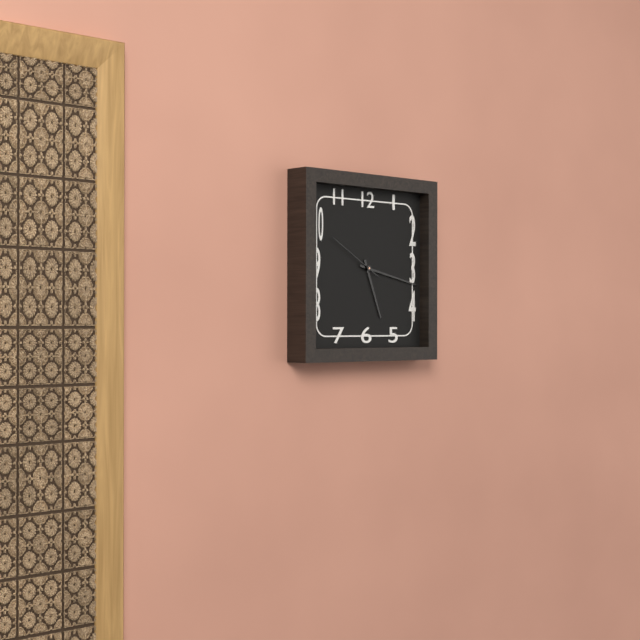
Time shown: 5:17:50
